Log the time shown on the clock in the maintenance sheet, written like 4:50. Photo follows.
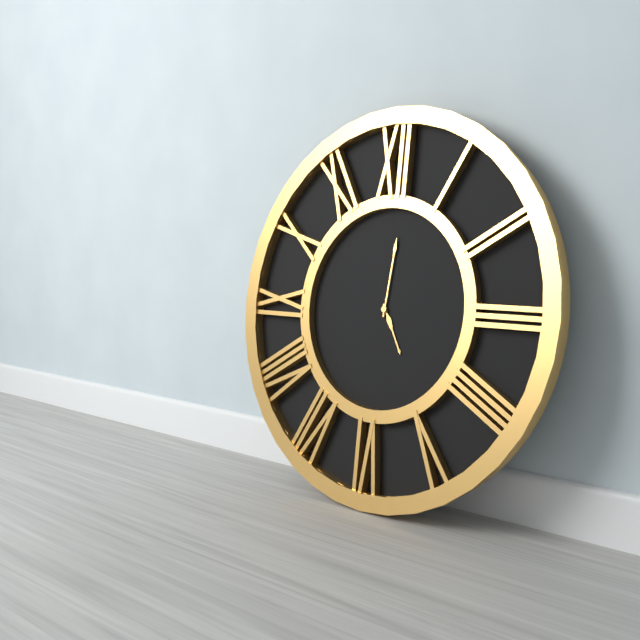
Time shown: 5:01
